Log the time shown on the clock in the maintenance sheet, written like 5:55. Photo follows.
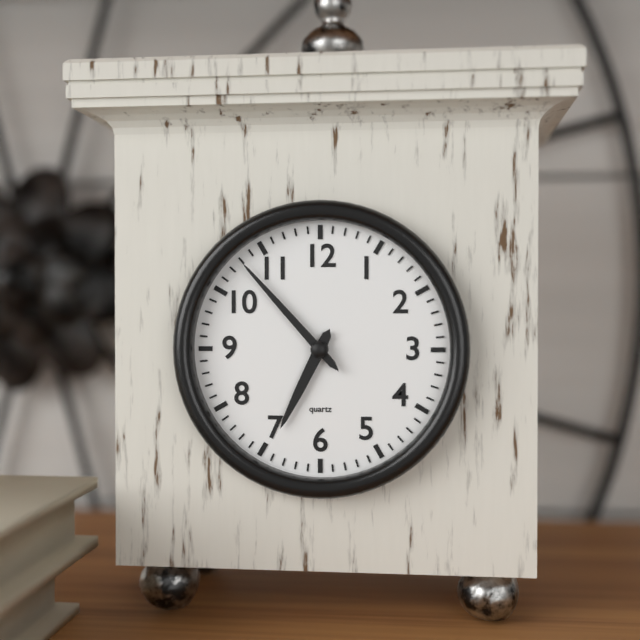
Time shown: 6:53
